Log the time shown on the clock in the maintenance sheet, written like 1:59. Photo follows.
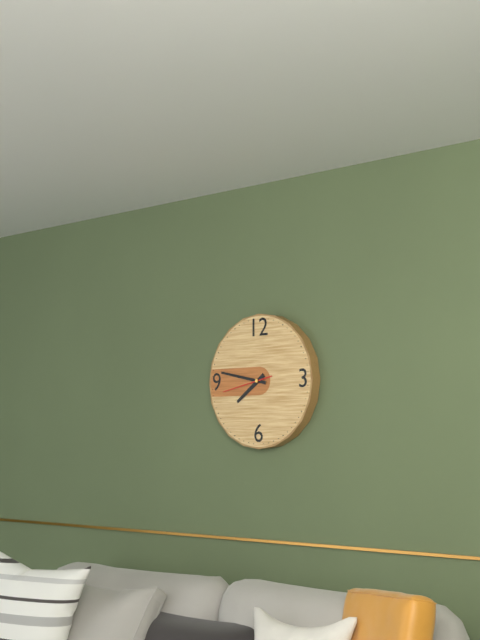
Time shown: 7:47
